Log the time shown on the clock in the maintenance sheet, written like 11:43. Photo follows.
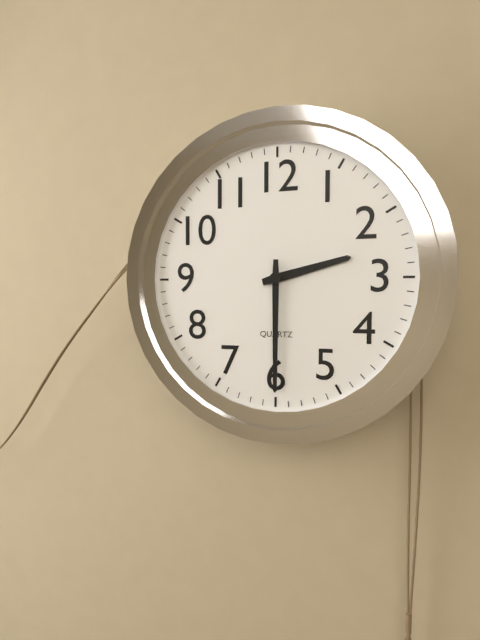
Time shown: 2:30
